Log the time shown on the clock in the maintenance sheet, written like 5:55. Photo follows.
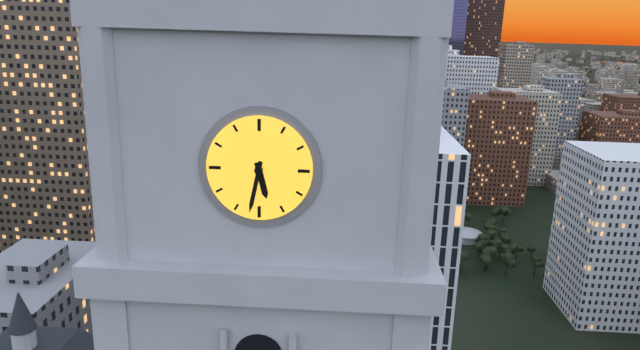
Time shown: 5:32
